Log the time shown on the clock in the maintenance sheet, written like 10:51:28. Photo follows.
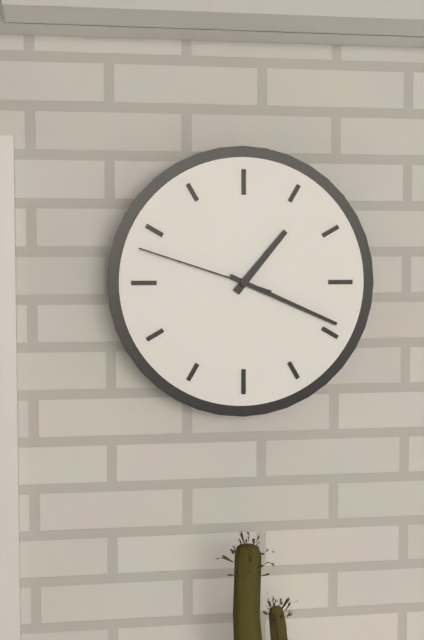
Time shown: 1:19:48
